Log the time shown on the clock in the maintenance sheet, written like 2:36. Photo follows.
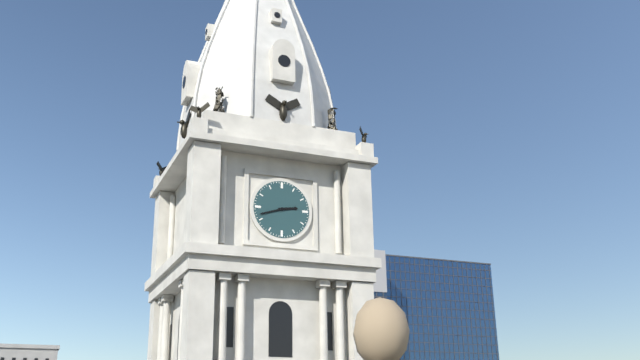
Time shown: 2:42
